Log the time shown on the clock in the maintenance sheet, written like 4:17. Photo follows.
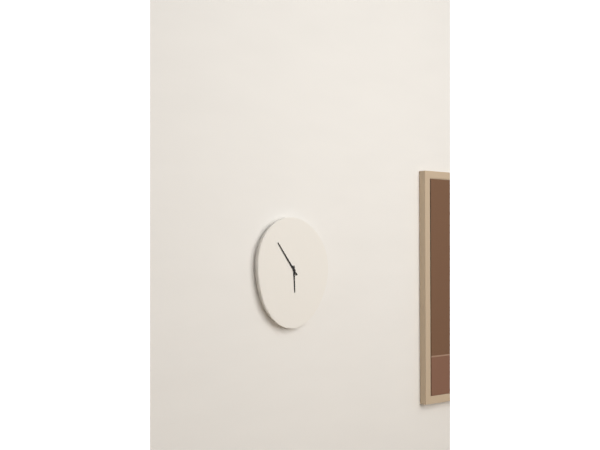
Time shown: 5:54
